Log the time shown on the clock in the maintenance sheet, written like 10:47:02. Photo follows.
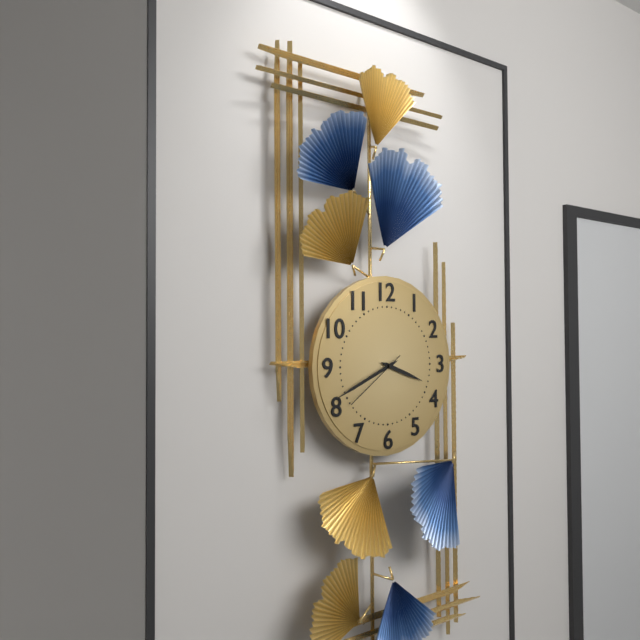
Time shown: 3:41:39
